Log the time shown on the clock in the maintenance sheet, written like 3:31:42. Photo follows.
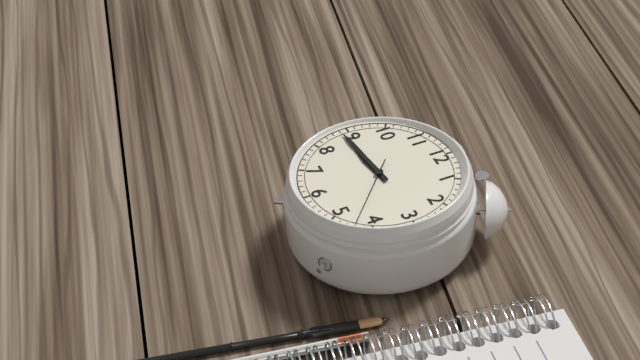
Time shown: 8:44:22
